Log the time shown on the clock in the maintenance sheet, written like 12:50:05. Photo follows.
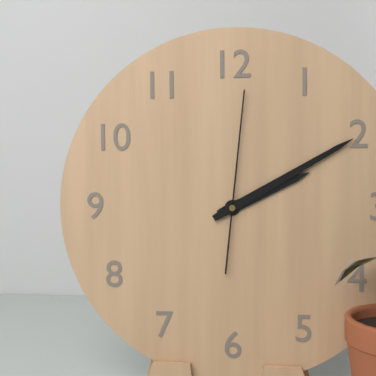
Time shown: 2:10:01
